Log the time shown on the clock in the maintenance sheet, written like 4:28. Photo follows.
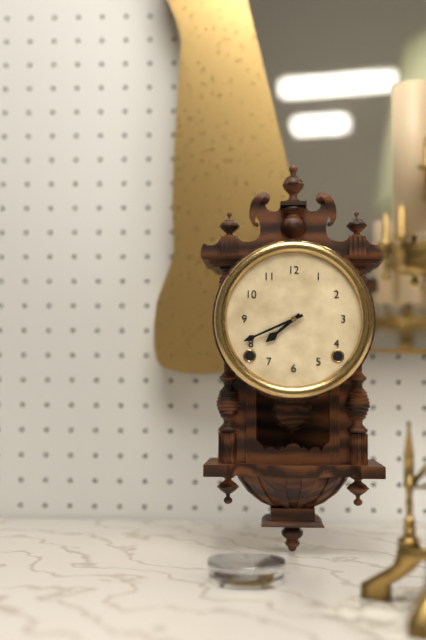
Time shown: 7:41
